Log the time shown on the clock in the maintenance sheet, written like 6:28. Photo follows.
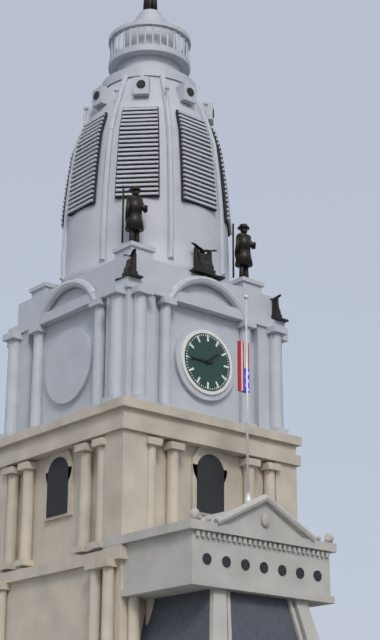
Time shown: 1:45
